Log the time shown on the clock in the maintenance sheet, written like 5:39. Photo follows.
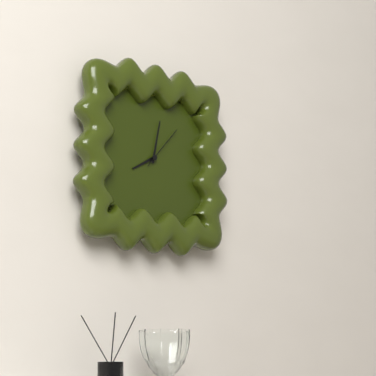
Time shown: 8:02
